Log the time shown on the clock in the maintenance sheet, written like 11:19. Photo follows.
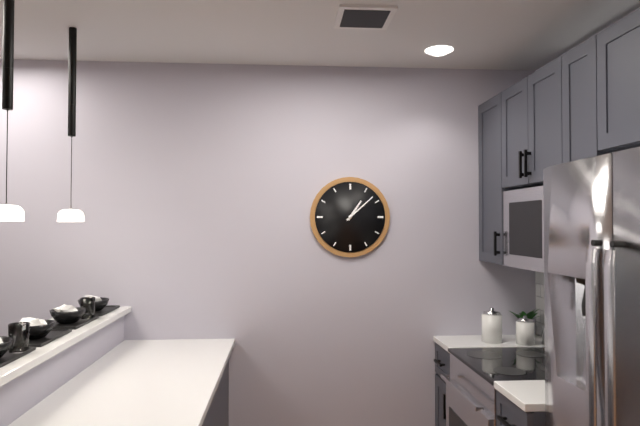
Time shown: 1:08
